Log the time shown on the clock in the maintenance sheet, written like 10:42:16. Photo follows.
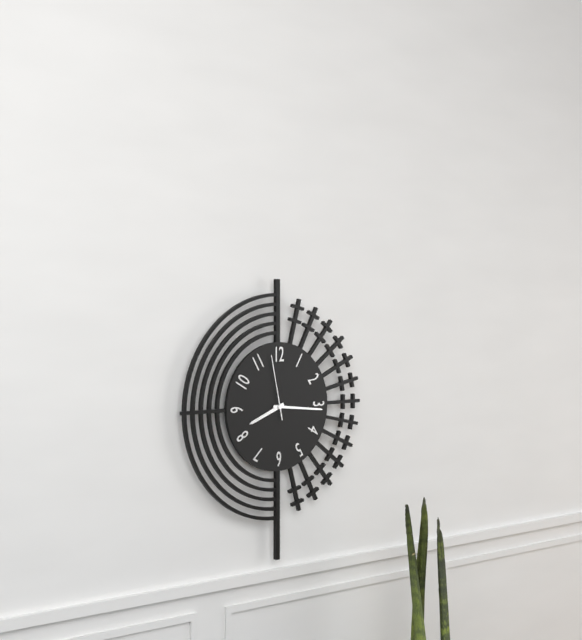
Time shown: 8:16:58
